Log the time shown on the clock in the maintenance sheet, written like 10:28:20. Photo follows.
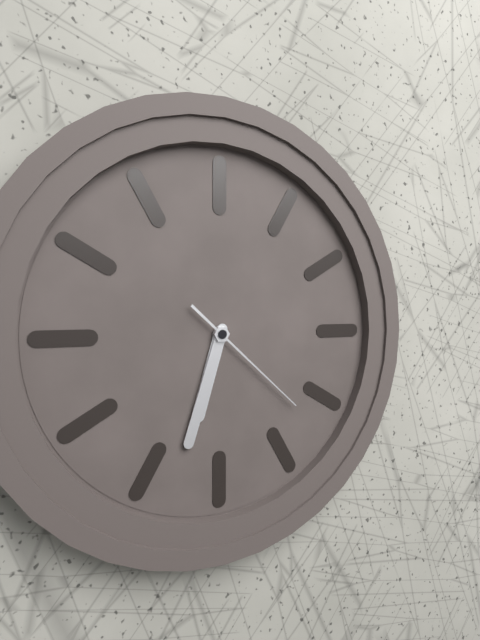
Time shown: 6:33:22
